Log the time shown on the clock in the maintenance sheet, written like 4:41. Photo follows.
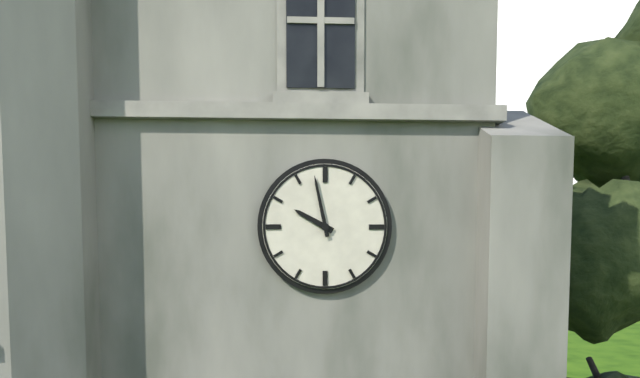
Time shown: 9:58
